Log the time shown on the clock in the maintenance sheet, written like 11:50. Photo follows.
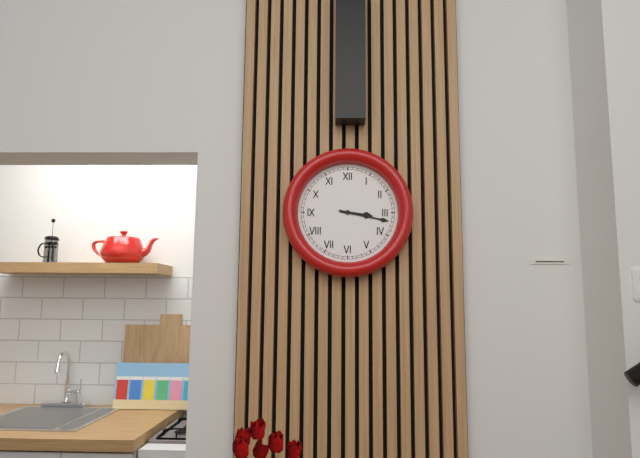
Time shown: 3:17
